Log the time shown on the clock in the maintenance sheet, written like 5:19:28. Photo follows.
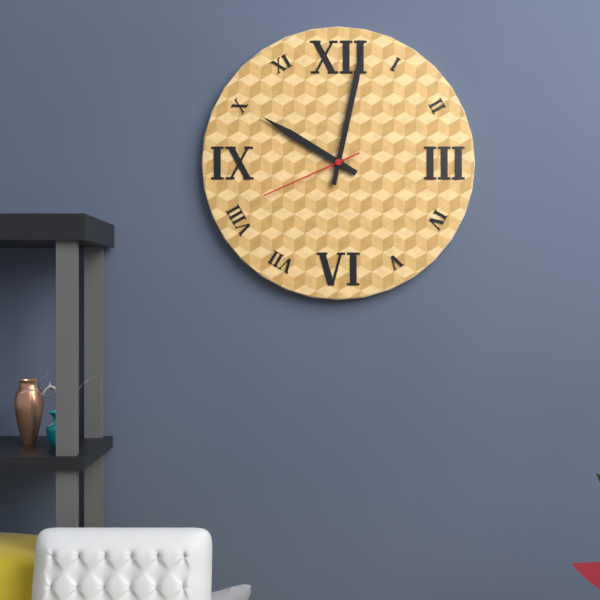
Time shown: 10:02:41
